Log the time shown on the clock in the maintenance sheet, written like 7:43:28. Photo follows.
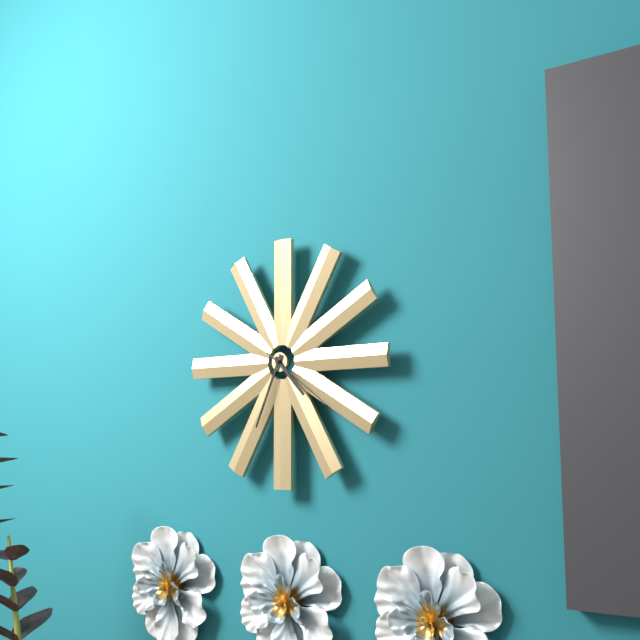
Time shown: 4:34:21
